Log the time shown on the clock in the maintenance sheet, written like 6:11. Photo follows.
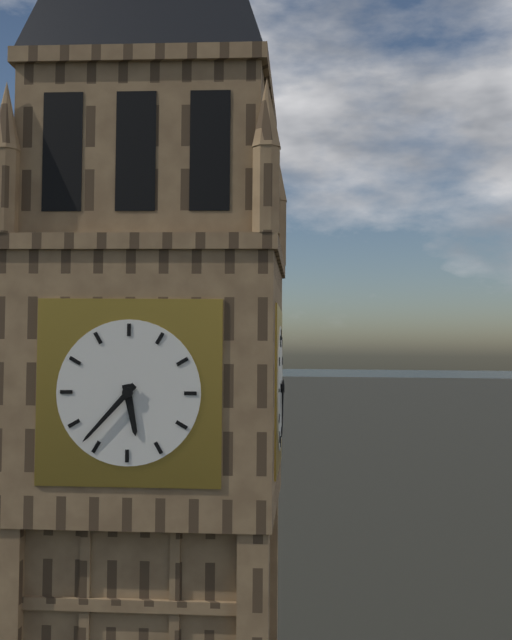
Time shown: 5:37
